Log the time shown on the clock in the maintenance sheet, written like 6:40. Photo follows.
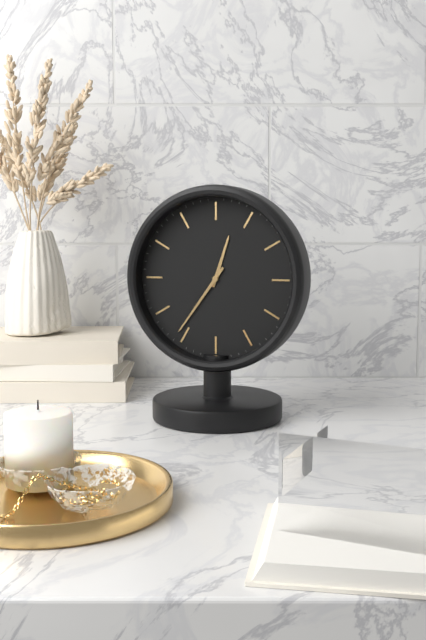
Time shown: 12:36
